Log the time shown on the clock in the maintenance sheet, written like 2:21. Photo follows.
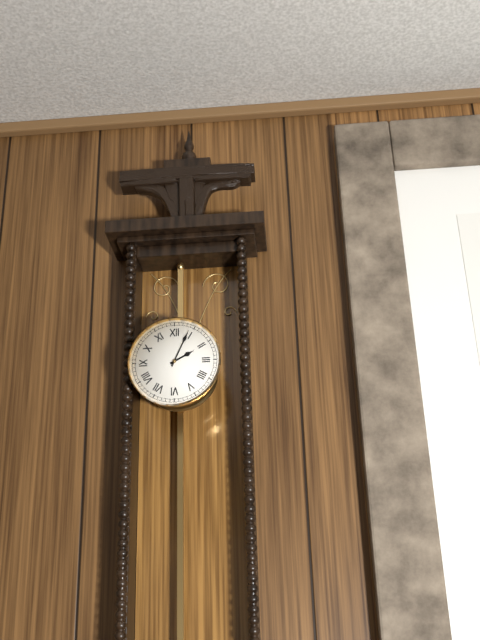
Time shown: 2:04
